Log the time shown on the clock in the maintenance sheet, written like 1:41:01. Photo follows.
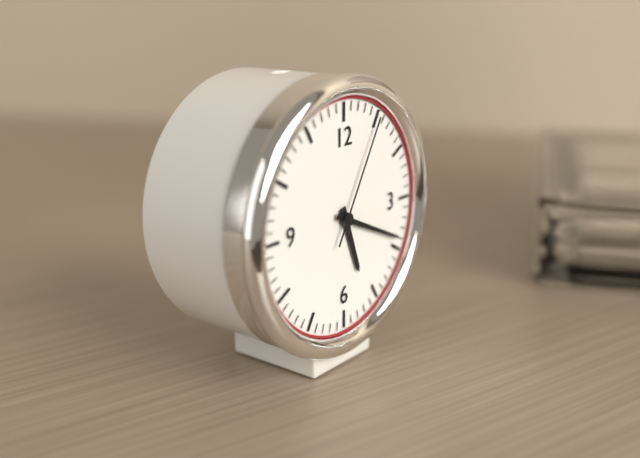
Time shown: 5:19:05
